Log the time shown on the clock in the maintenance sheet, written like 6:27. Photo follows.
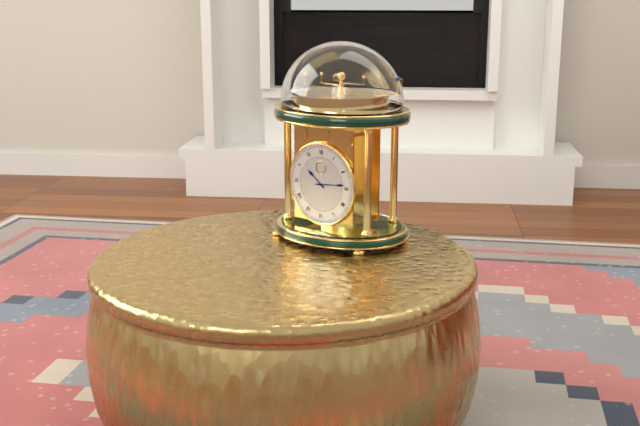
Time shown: 10:14
